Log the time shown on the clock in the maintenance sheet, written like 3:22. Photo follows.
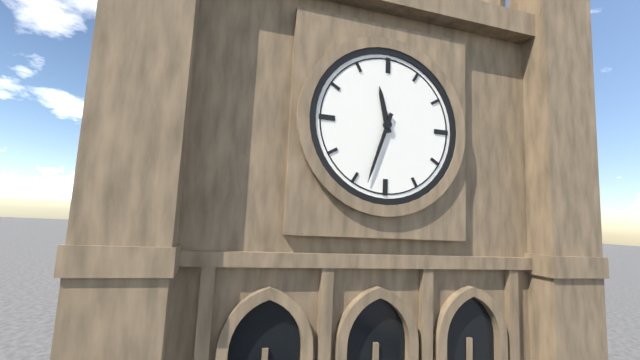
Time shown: 11:33
